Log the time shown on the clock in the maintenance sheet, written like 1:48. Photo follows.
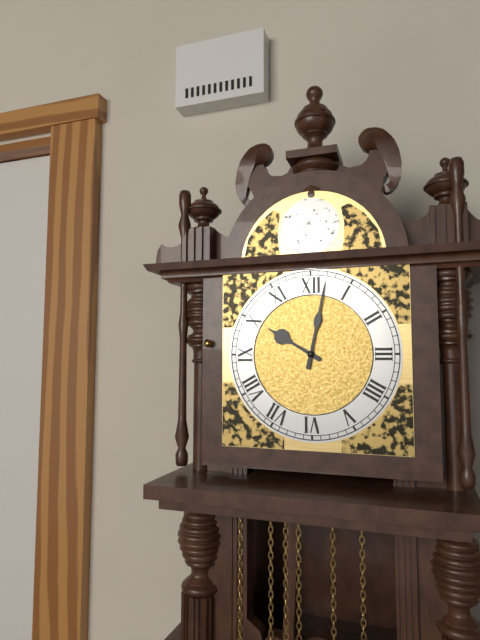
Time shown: 10:02
